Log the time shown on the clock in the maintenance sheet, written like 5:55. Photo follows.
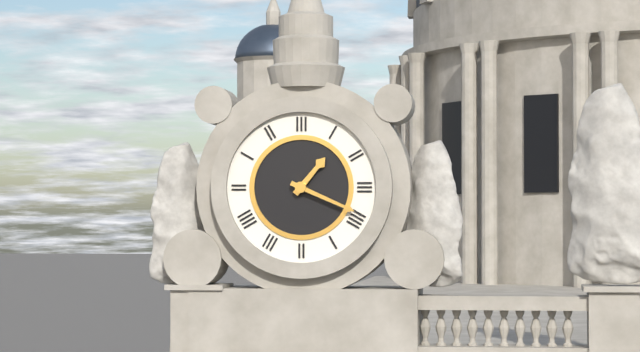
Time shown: 1:19
